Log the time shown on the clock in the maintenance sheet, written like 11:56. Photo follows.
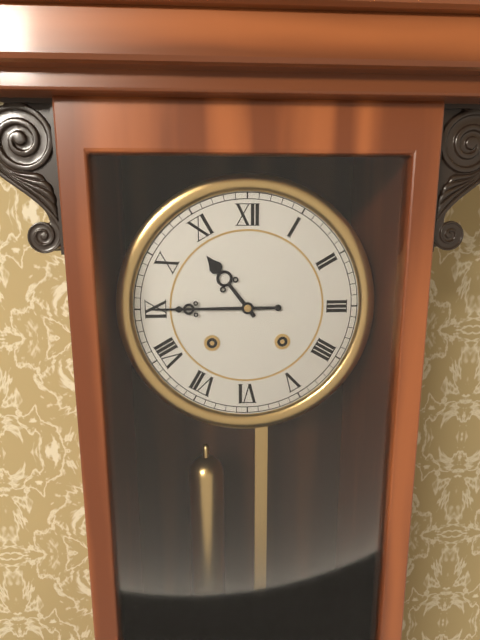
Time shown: 10:45
